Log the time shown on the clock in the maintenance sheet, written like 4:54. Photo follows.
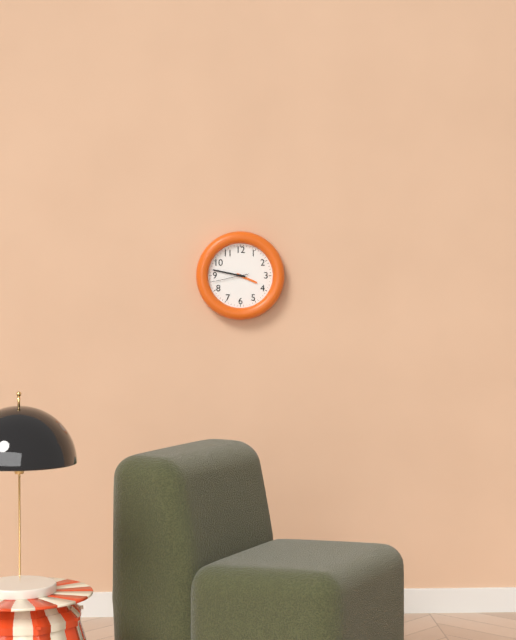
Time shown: 3:47
